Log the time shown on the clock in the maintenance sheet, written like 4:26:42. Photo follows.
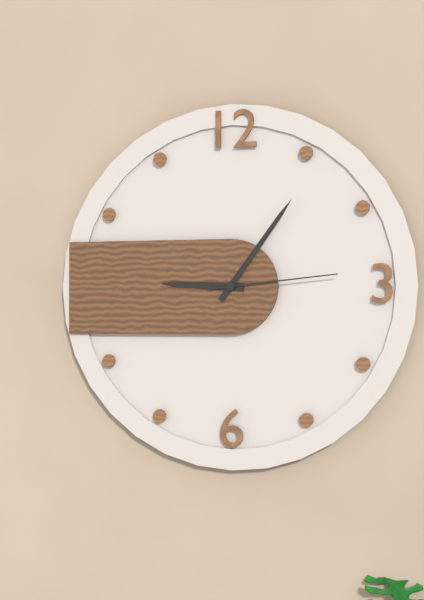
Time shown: 9:06:14
